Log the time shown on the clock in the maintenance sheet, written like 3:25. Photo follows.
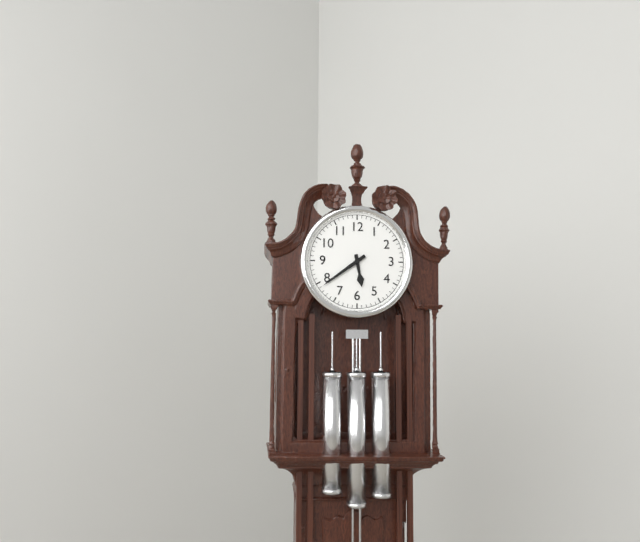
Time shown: 5:39
